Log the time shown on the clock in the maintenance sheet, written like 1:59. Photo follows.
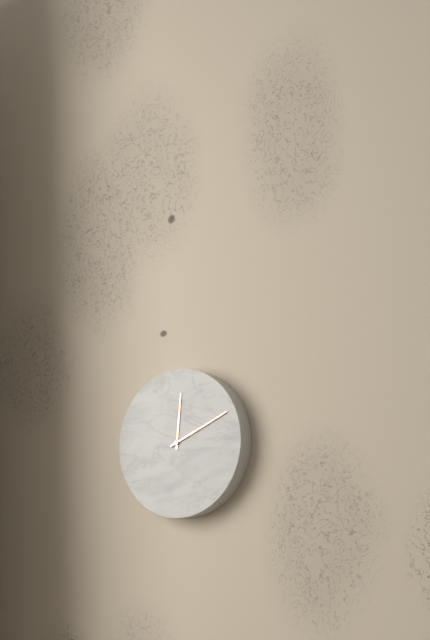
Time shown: 12:11
